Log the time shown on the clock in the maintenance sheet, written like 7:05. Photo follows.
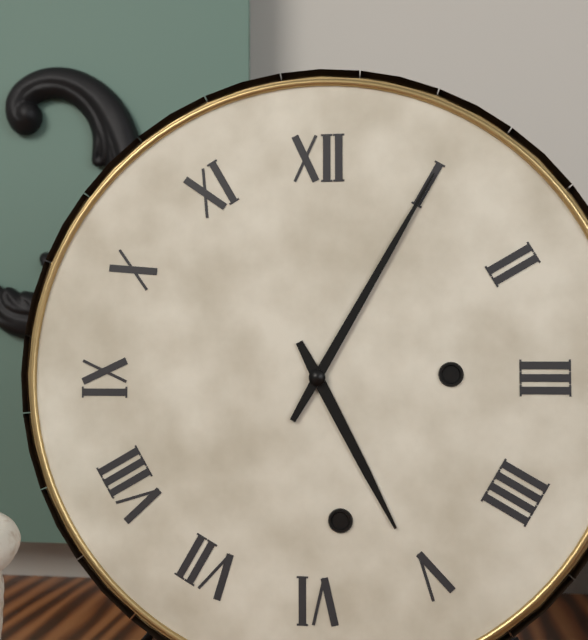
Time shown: 5:05
